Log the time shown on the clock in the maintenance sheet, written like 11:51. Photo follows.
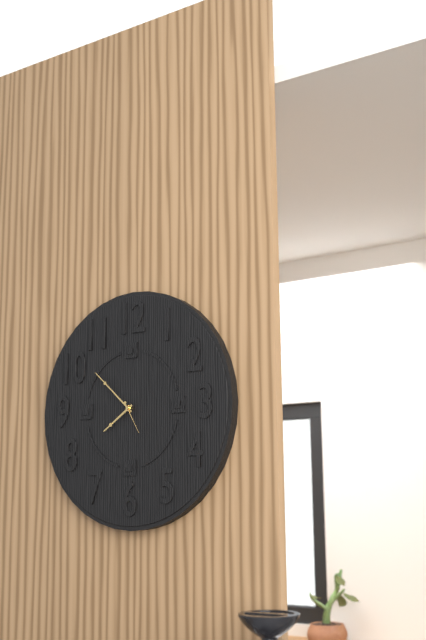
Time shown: 7:52
